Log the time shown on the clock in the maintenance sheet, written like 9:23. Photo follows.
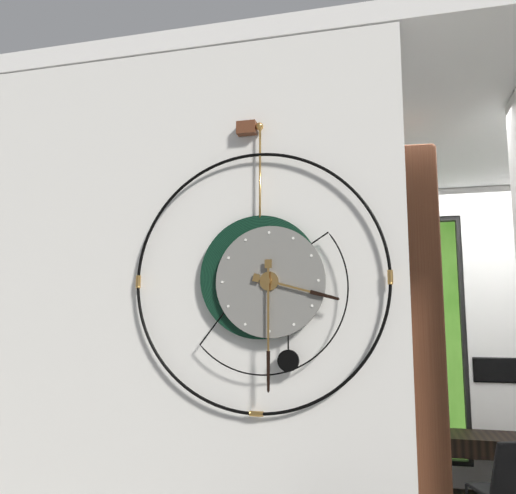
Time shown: 3:30
